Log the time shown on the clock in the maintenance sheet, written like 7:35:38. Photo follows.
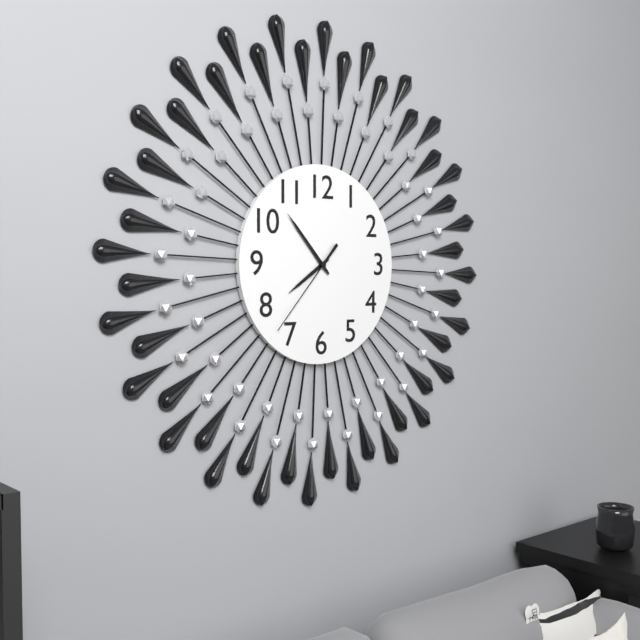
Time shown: 7:53:37
